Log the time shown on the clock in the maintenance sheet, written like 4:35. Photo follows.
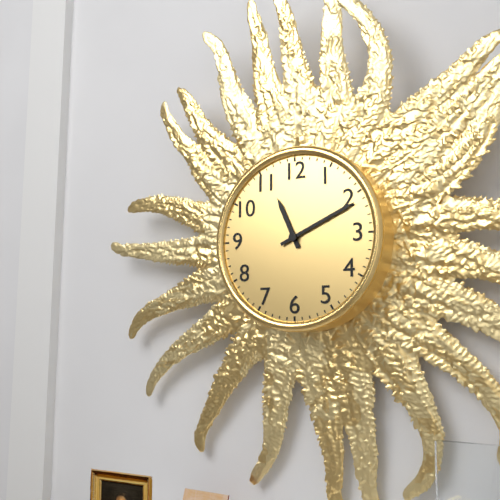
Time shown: 11:11
